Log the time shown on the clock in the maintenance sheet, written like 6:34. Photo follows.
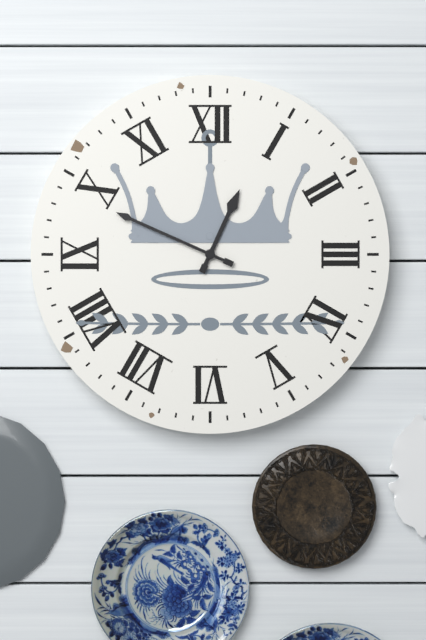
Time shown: 12:49
